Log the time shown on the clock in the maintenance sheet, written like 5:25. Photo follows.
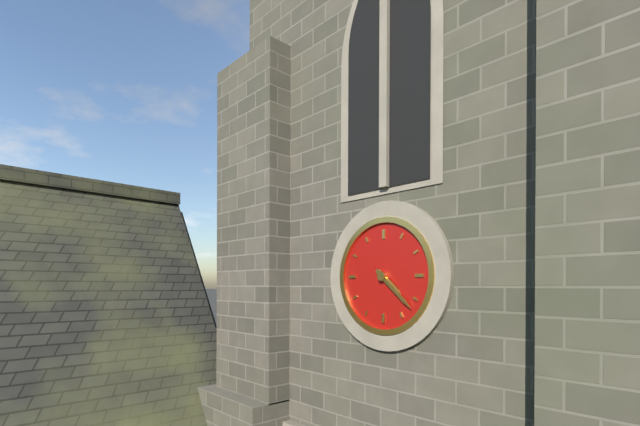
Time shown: 4:22
